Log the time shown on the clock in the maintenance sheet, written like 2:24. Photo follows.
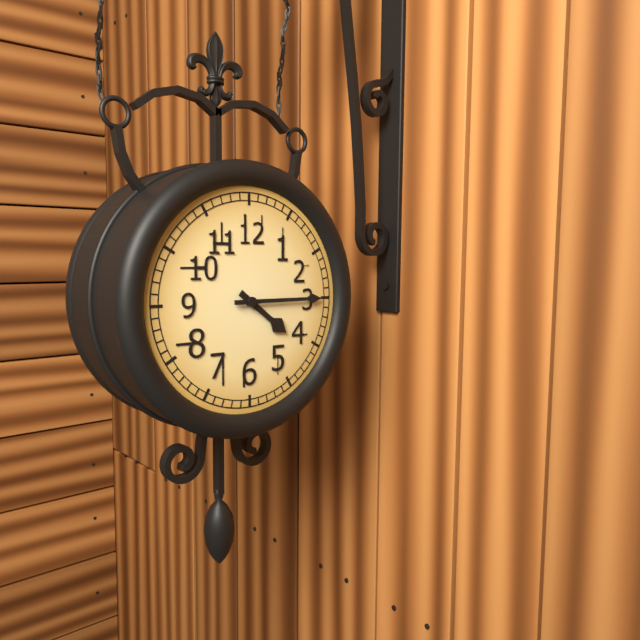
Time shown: 4:15
